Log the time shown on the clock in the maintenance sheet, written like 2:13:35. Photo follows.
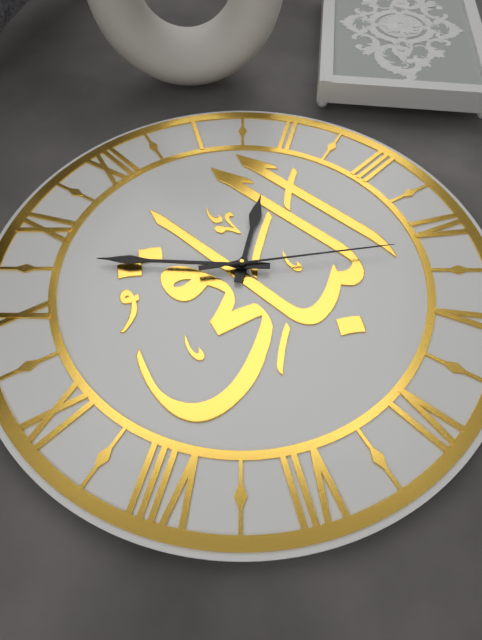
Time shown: 1:53:21
